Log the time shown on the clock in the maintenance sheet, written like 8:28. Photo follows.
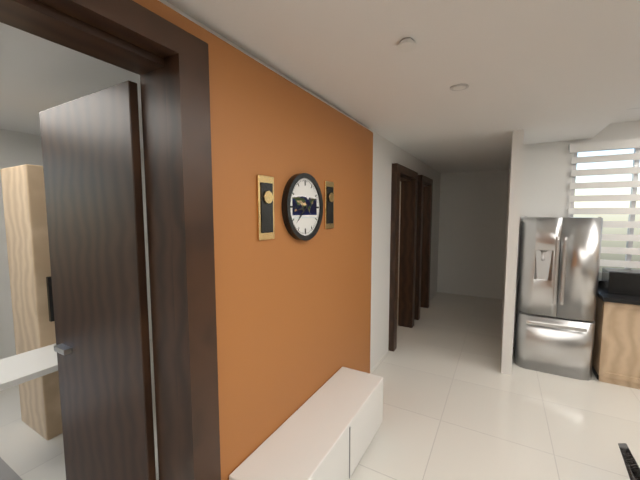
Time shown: 8:38
